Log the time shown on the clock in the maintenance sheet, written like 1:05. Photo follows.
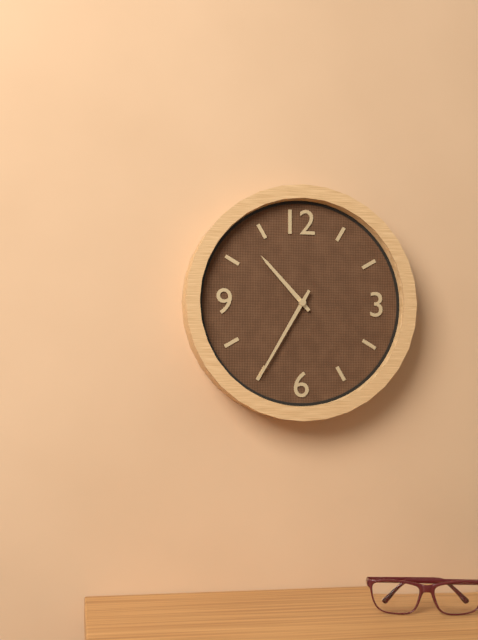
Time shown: 10:35
